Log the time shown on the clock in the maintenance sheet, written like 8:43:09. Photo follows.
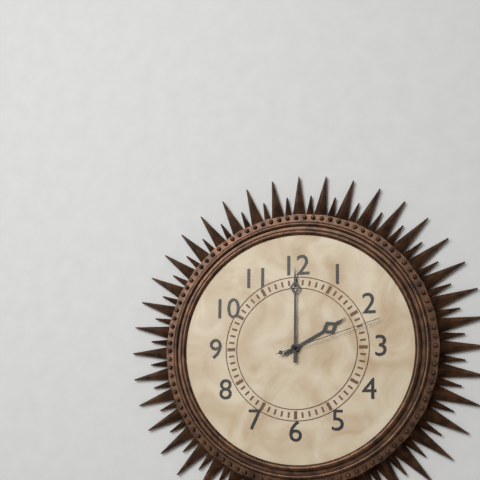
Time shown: 2:00:12
